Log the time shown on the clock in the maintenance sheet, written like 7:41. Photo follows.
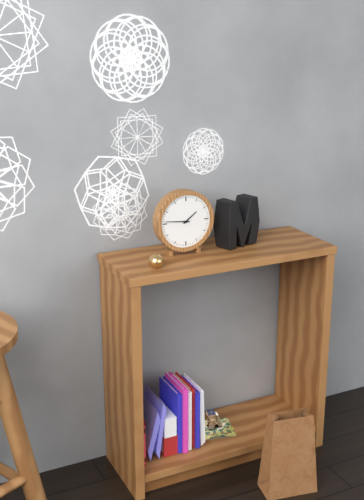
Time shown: 1:46
